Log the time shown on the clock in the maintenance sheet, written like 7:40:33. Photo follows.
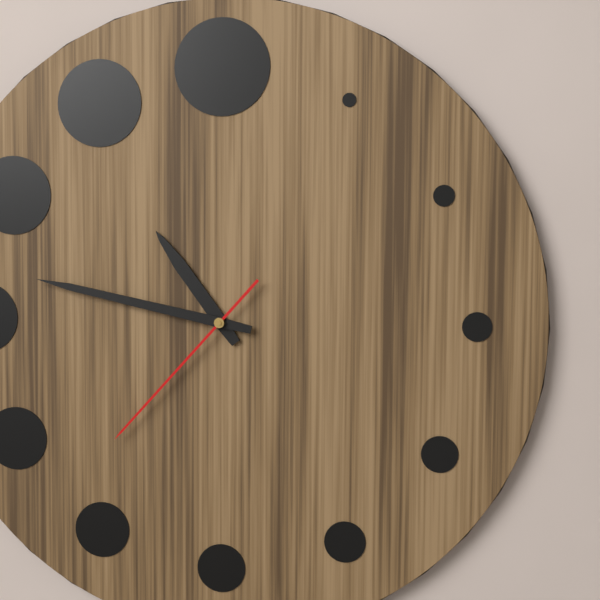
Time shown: 10:47:37
